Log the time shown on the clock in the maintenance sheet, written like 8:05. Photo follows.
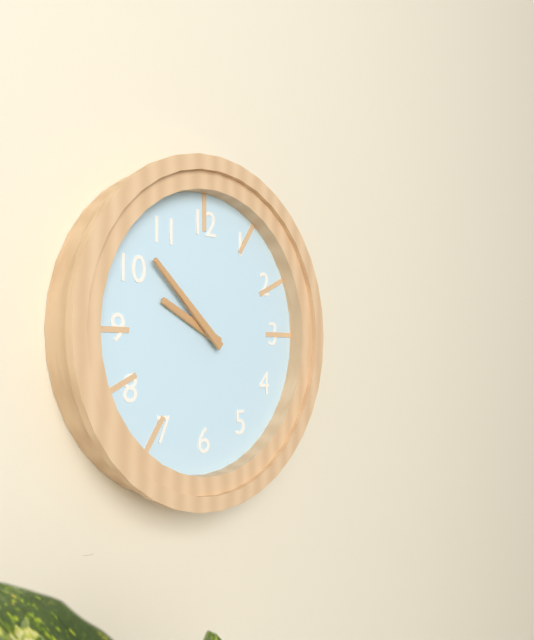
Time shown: 9:52
